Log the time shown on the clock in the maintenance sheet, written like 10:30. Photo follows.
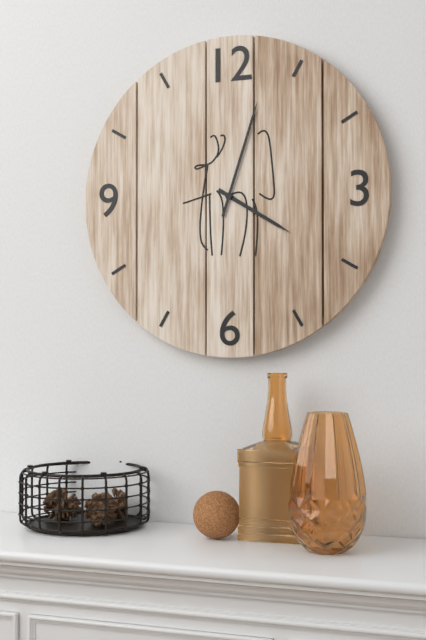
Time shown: 4:03
